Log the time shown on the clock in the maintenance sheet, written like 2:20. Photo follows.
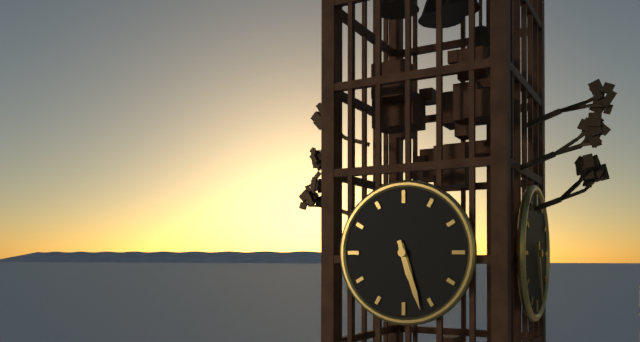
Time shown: 5:27
